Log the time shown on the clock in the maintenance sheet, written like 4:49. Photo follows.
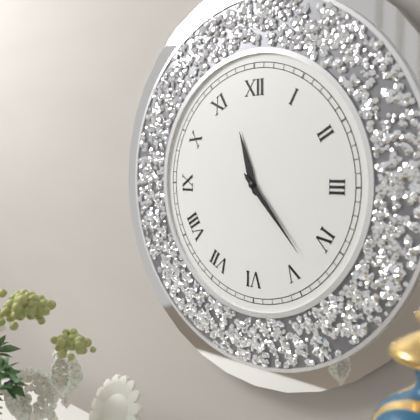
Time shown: 11:23
